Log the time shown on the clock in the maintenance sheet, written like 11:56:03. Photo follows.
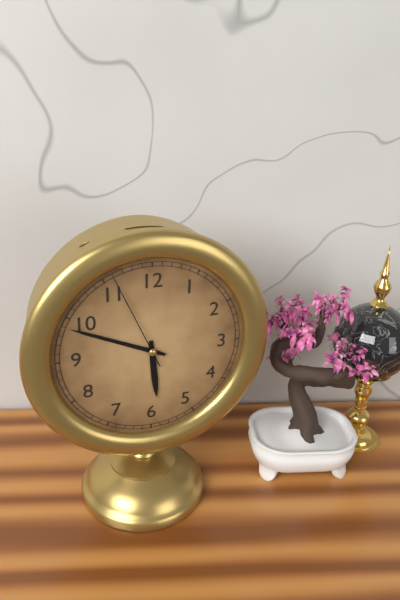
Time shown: 5:49:56
